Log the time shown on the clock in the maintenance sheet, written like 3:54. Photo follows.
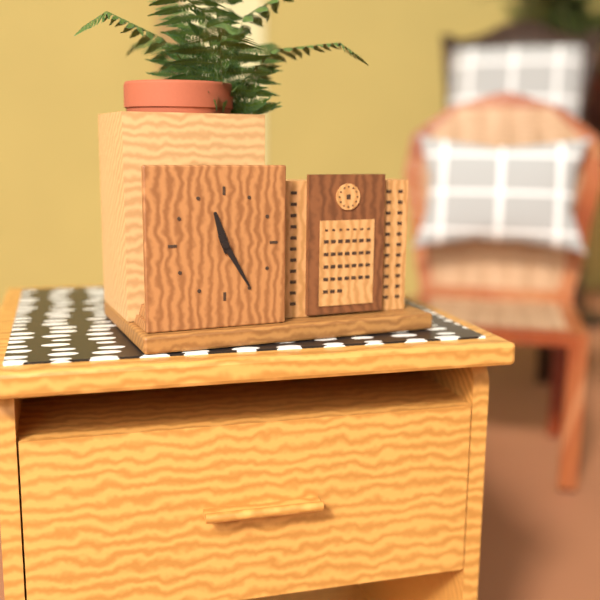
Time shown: 11:25
